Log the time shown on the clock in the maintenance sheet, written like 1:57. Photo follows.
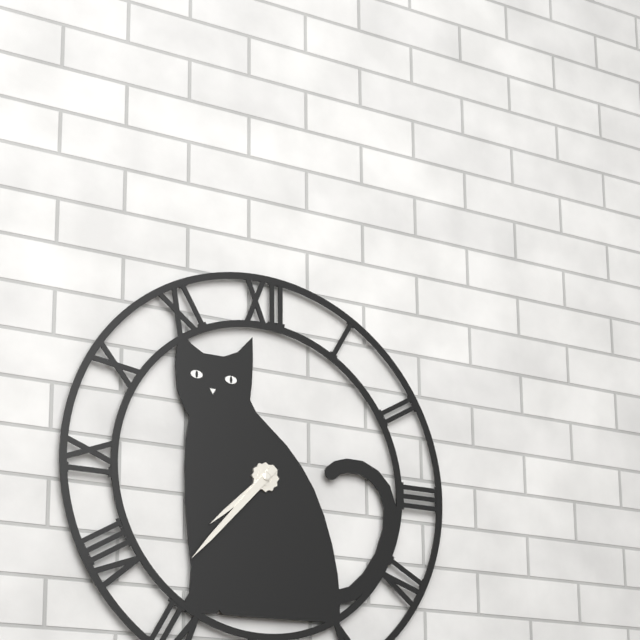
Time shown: 7:37
